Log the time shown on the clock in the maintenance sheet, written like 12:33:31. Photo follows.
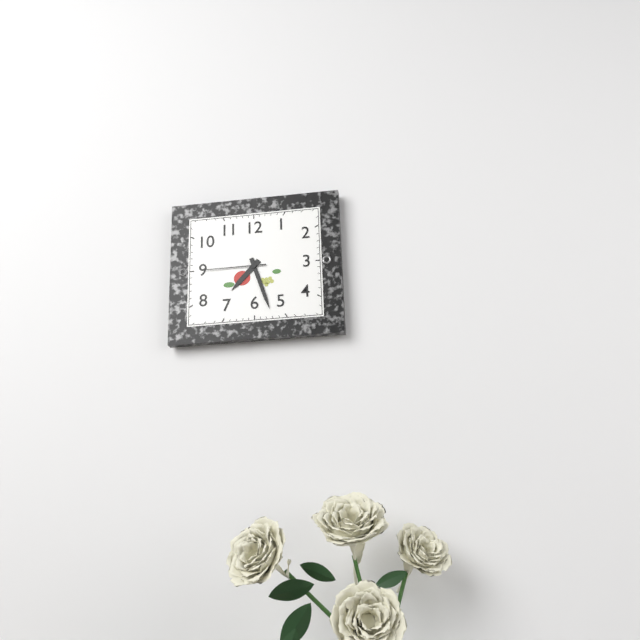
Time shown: 7:27:45
